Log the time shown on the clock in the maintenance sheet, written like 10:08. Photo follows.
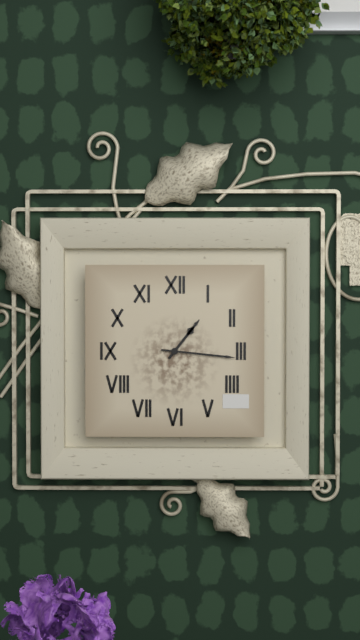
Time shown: 1:16
